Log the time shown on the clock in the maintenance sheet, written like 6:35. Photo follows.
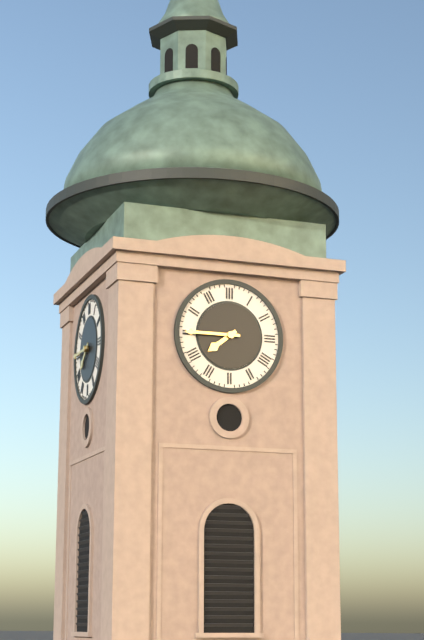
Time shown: 7:45
